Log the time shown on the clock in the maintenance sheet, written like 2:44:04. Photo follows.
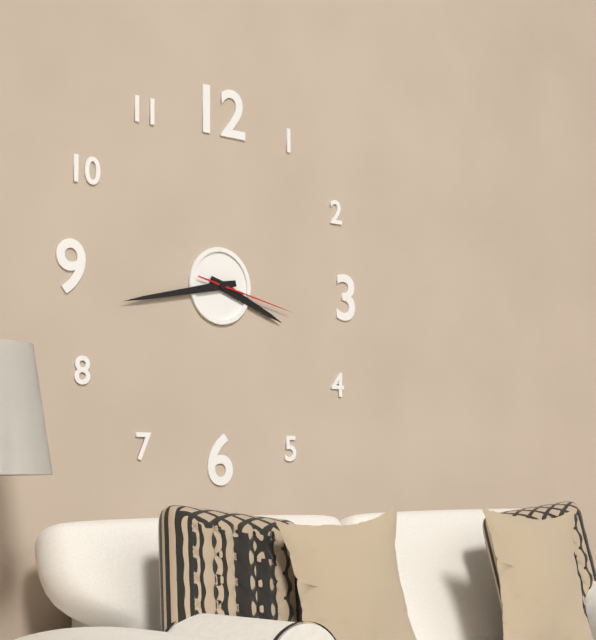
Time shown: 3:43:17
